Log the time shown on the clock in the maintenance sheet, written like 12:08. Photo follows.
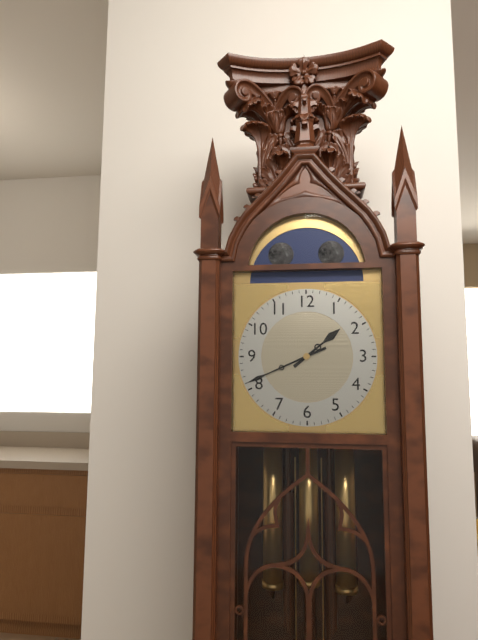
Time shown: 1:41
